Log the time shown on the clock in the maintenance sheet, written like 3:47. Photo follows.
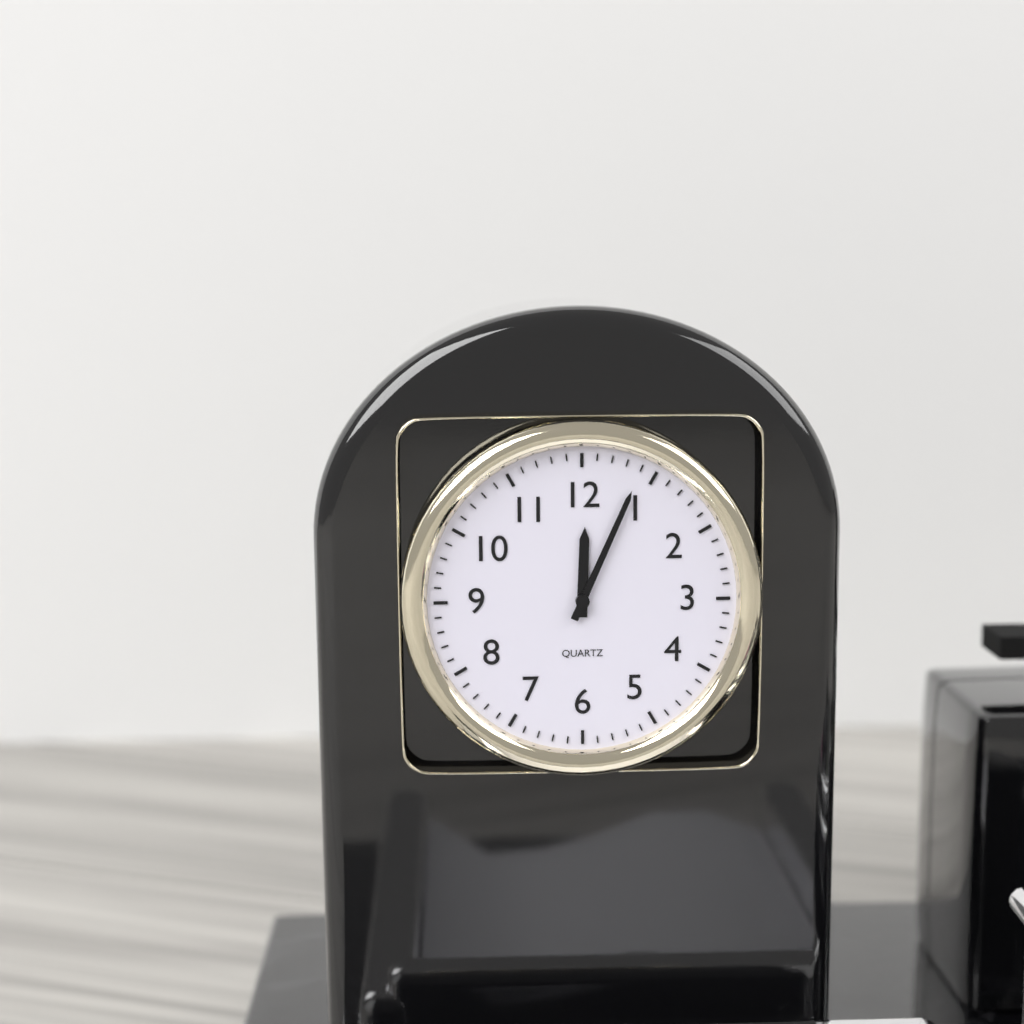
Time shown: 12:04
